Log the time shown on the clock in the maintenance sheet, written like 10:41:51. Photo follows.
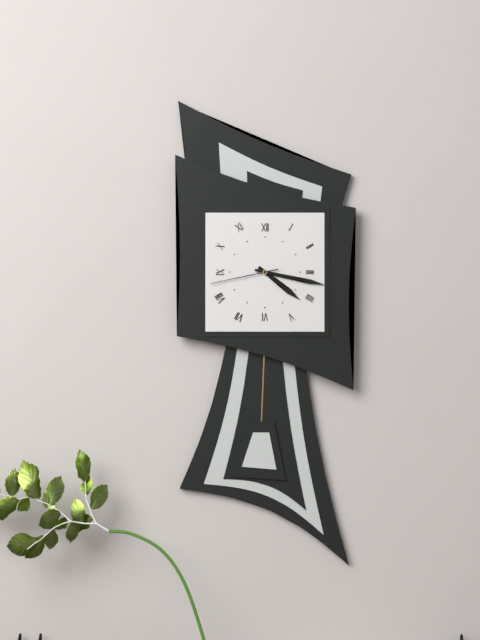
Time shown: 4:17:43
